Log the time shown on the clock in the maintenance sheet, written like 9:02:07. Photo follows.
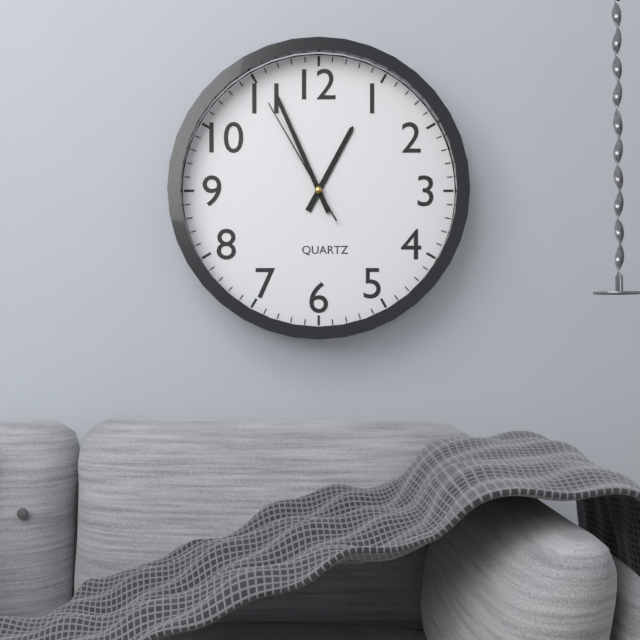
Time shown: 12:56:55
